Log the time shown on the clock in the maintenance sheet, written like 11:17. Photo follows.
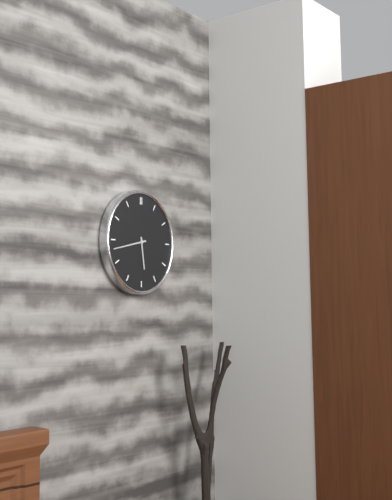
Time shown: 5:43
